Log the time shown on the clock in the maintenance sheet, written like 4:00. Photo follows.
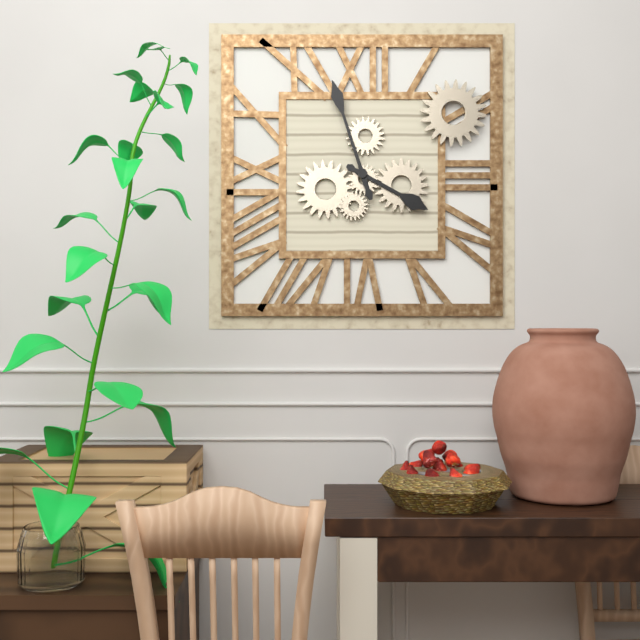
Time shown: 3:57
